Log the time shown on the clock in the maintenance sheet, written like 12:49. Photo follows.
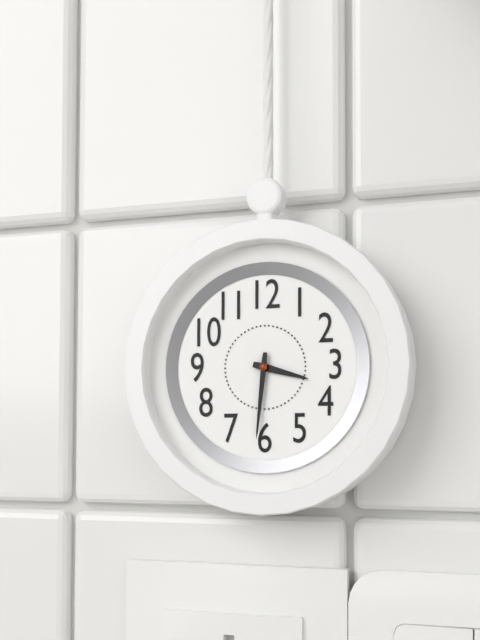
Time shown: 3:31
